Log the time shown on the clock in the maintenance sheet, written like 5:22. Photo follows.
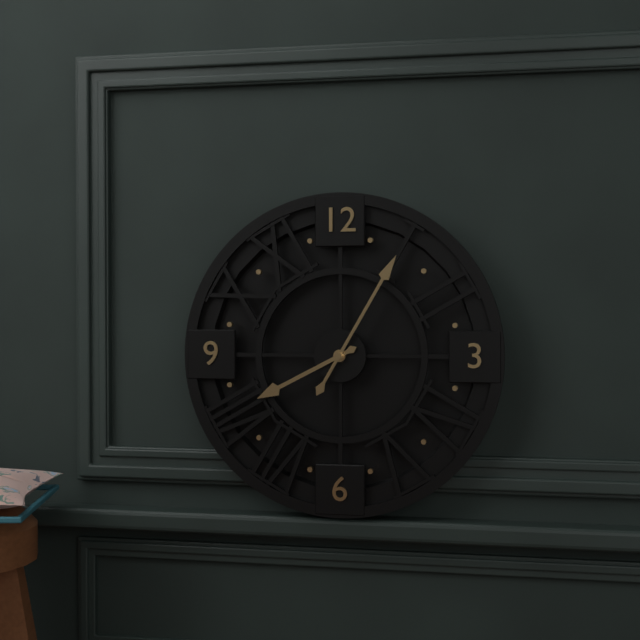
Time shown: 8:05
